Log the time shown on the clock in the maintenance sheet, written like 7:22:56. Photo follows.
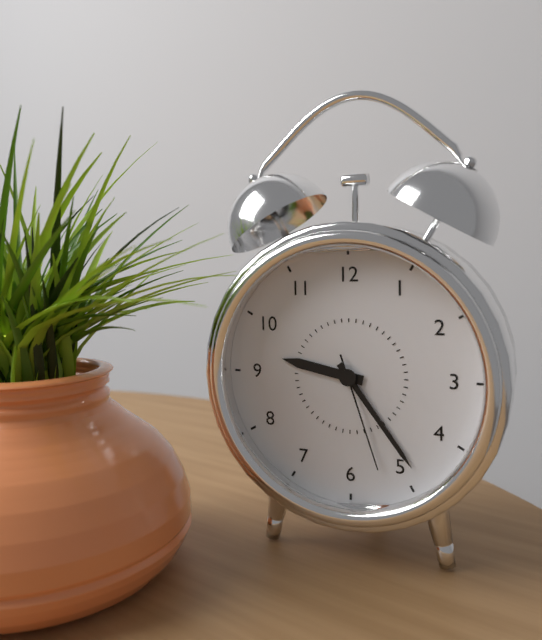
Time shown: 9:24:27
